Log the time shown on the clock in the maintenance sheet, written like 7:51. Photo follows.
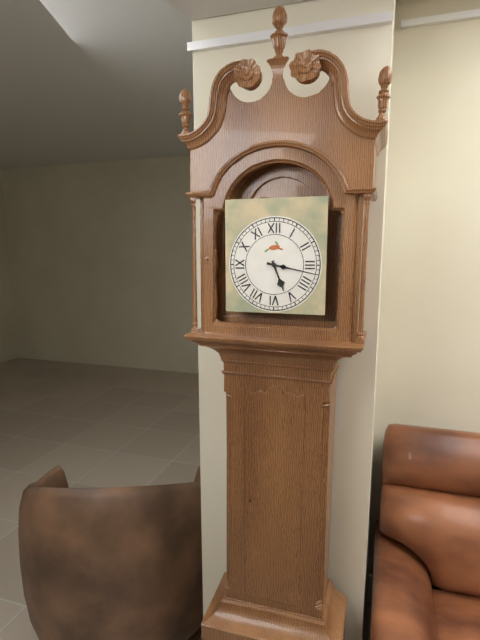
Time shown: 5:17
